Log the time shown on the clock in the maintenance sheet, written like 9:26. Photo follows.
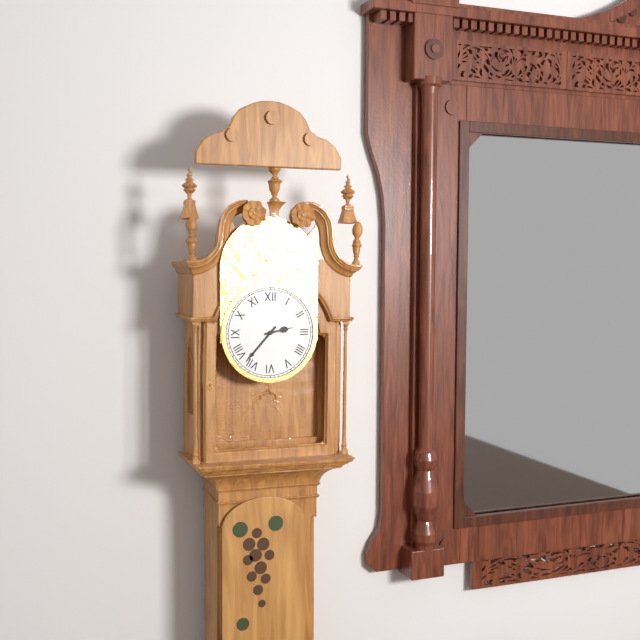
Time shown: 2:37
